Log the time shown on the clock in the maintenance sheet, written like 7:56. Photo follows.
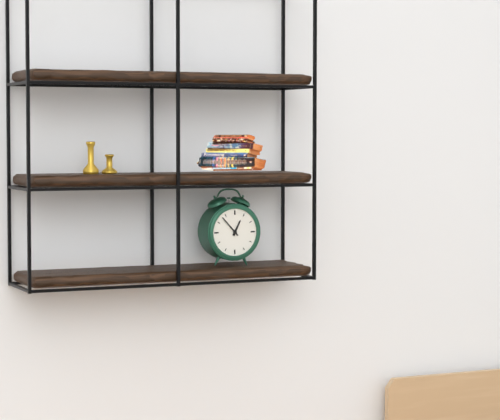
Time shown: 12:53
